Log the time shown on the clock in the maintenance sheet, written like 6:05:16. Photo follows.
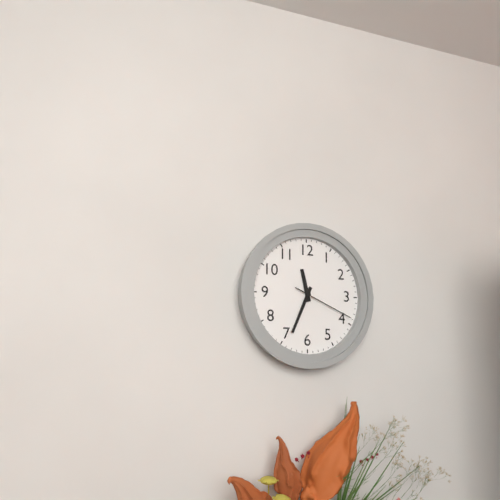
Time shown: 11:34:19
